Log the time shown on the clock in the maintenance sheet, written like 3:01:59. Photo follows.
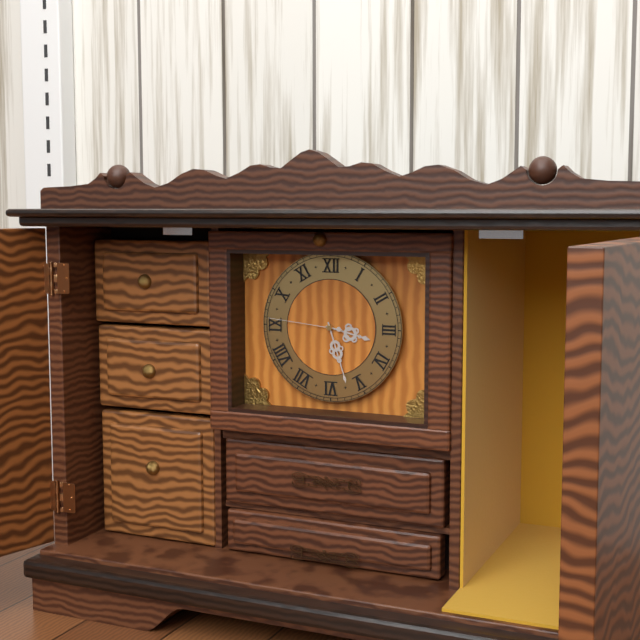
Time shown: 3:27:46
